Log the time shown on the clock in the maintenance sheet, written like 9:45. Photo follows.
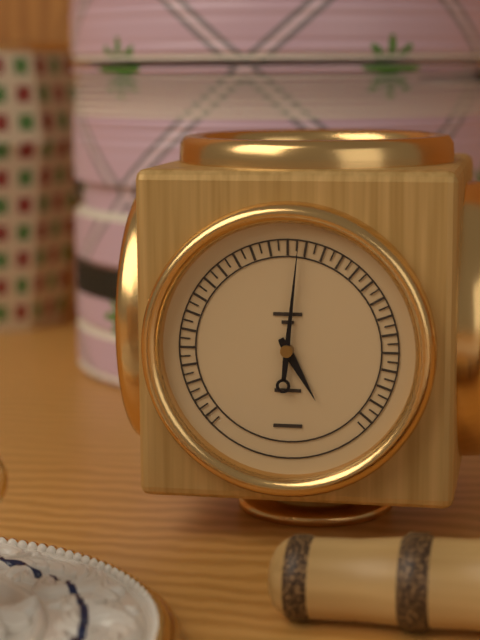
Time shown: 5:01
